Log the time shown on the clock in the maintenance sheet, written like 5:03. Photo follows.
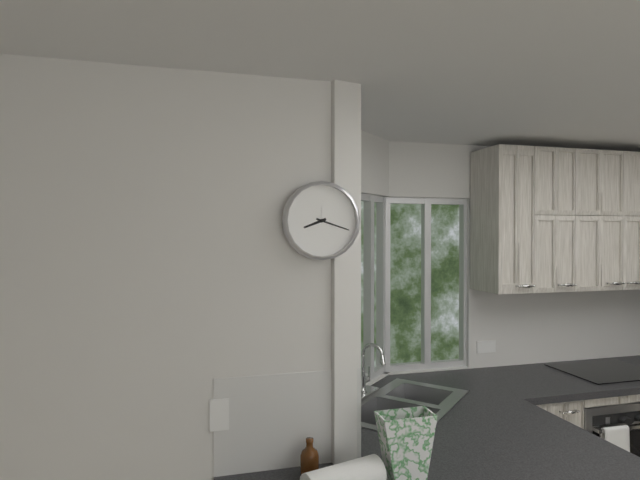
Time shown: 8:18
